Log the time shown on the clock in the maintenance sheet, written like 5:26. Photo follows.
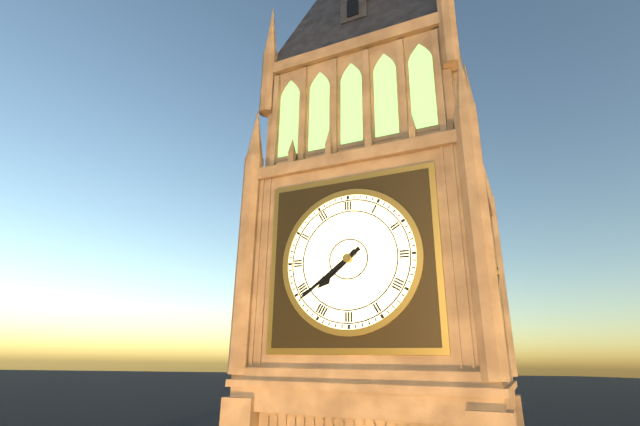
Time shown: 7:39
